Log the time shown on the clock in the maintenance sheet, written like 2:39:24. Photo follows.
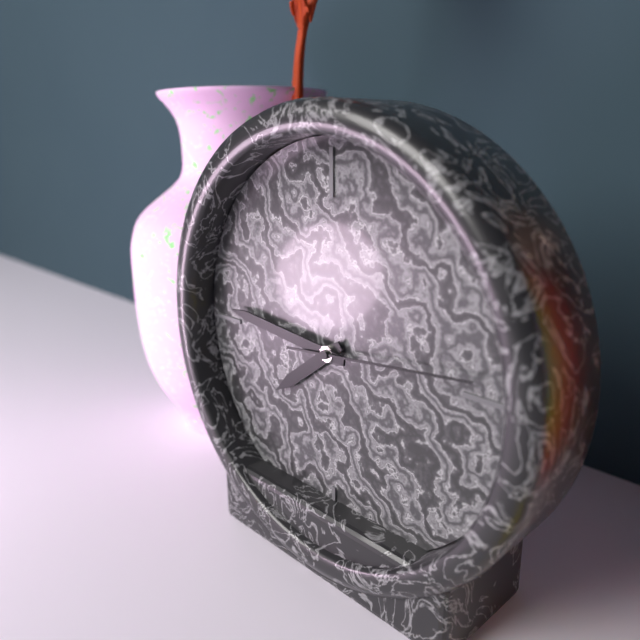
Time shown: 7:46:14
